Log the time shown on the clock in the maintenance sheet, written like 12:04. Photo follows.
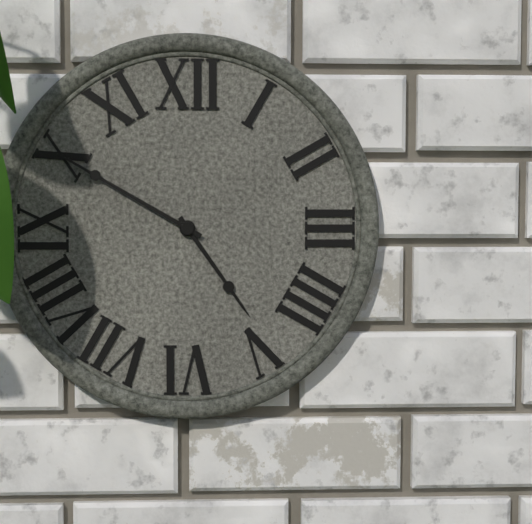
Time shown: 4:50
